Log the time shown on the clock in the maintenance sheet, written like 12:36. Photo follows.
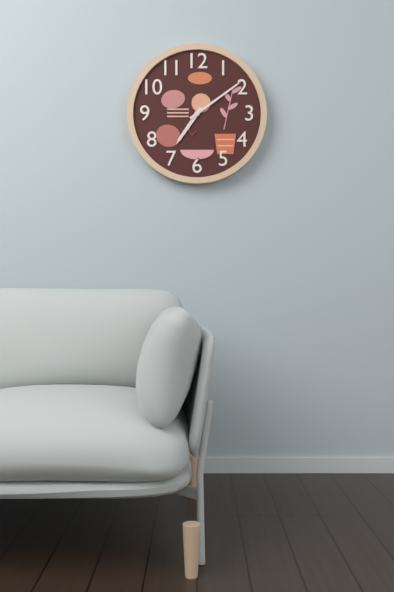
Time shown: 7:09
